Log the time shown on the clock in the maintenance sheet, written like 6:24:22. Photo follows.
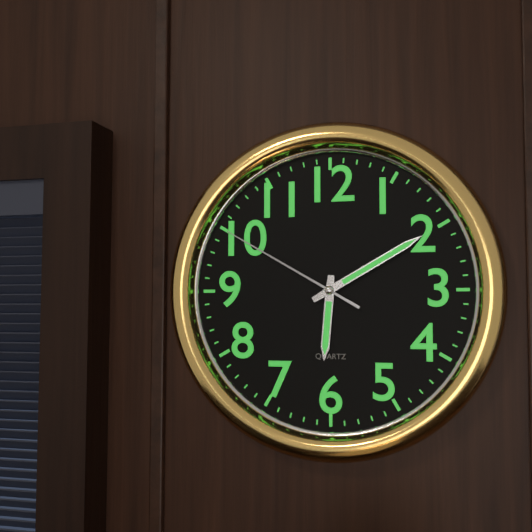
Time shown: 6:10:50
